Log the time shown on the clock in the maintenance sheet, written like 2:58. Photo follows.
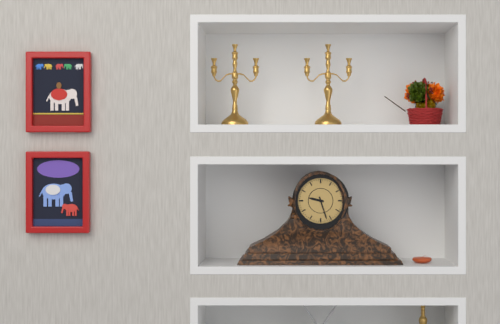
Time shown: 9:27
